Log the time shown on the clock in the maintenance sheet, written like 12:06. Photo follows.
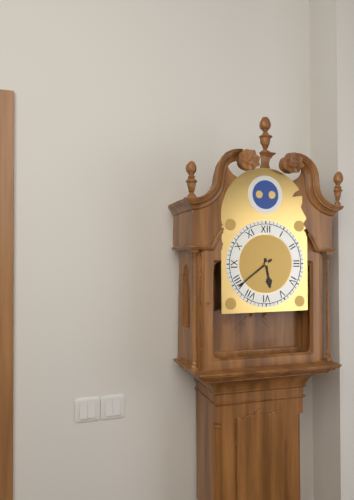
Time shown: 5:39
